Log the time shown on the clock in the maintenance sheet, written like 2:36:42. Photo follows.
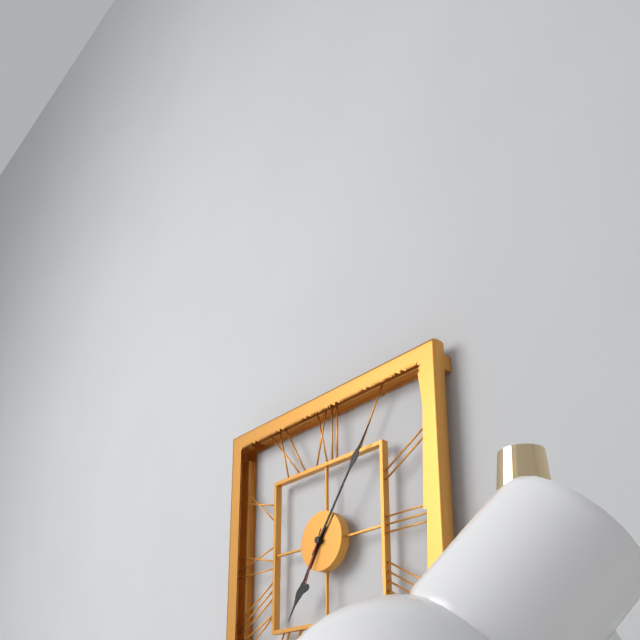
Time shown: 7:06:34
